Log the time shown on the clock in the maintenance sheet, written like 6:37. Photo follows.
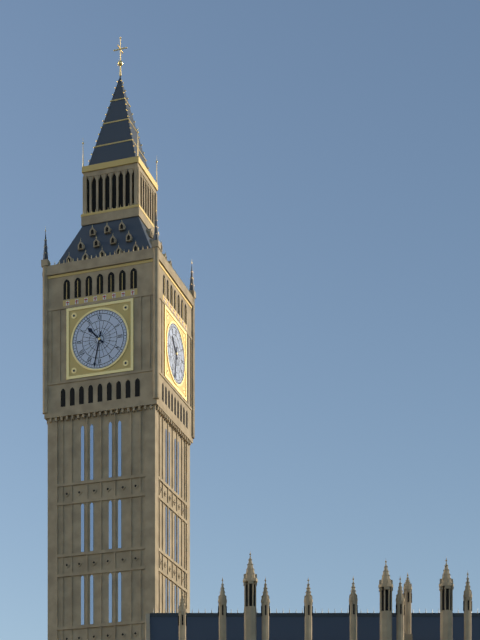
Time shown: 10:32
